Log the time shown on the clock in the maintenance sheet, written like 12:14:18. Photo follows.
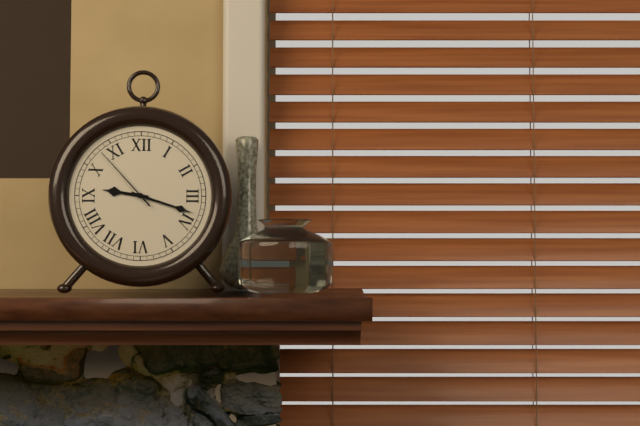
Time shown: 9:18:53
